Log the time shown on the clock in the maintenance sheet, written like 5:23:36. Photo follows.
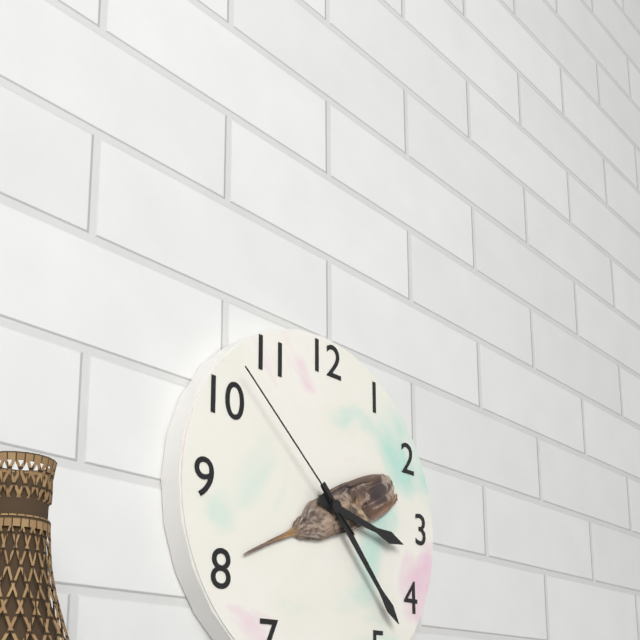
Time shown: 3:23:52
